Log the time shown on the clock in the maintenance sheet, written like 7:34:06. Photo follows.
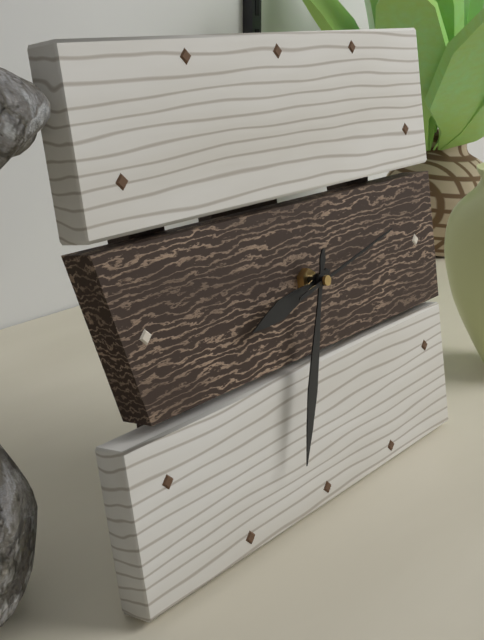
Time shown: 8:33:13
